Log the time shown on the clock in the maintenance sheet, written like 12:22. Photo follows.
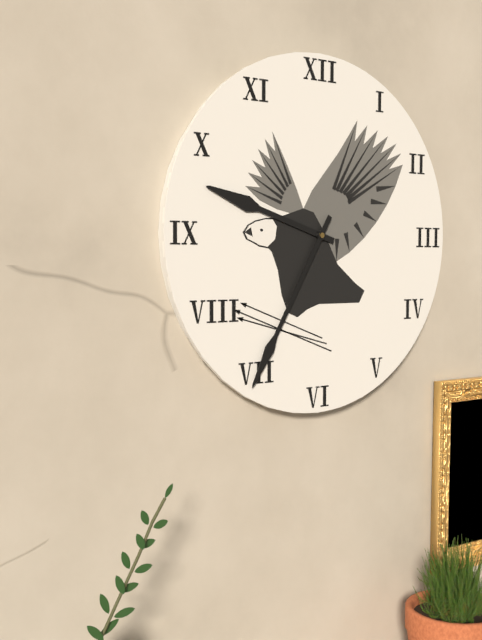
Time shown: 9:35
